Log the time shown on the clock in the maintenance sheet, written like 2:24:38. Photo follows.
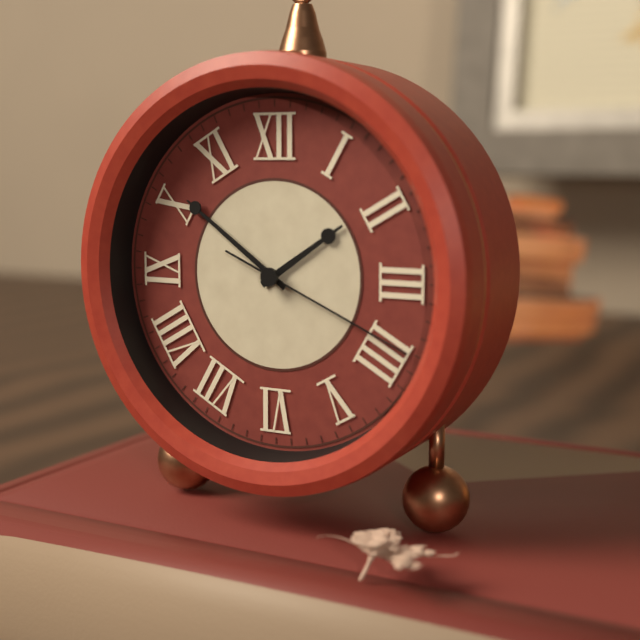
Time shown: 1:51:19
